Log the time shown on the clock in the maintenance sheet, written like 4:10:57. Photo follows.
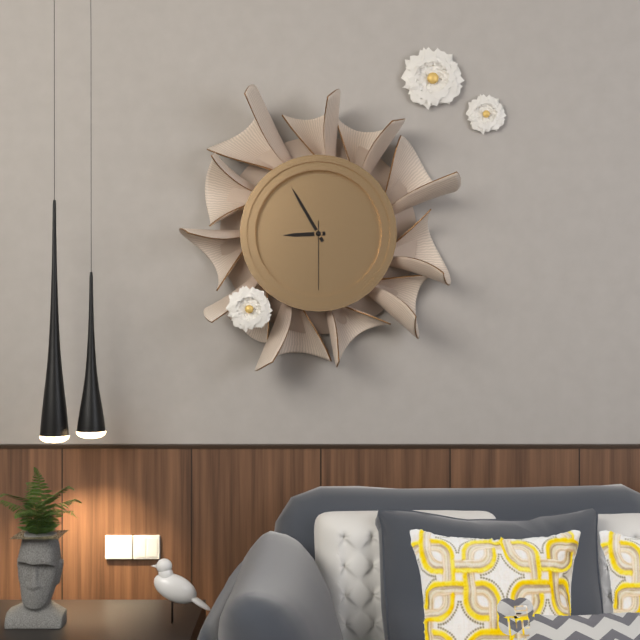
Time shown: 8:55:30
